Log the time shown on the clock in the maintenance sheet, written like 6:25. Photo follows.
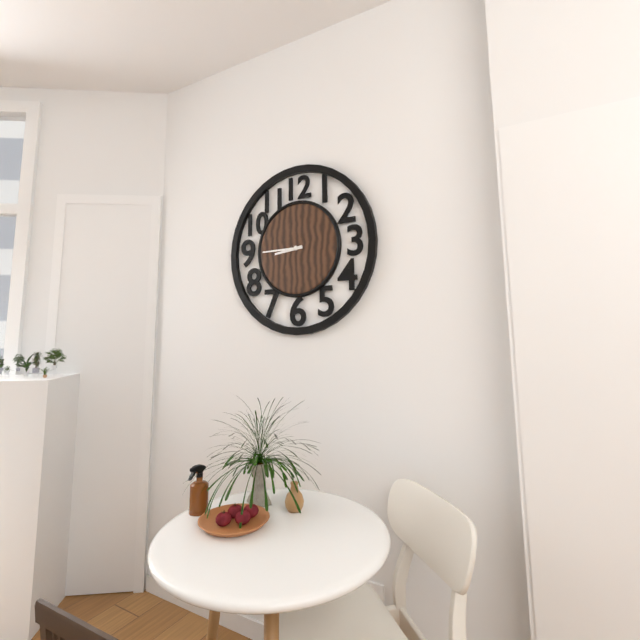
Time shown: 8:45
